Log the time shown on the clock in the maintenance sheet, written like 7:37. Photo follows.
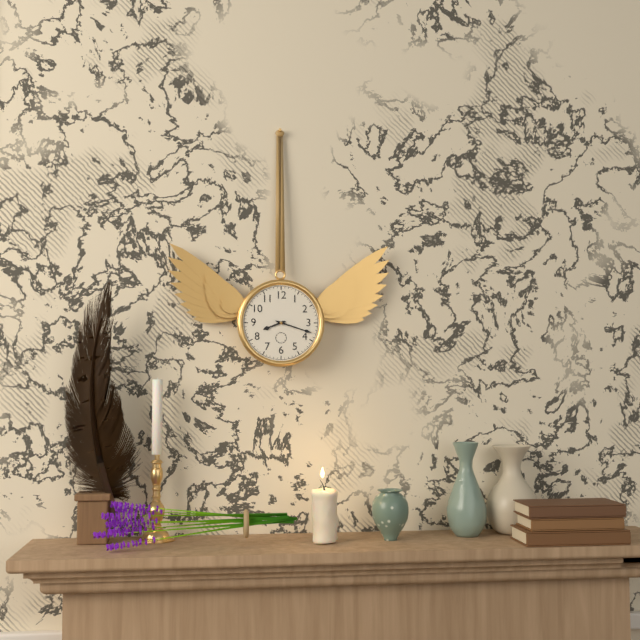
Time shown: 8:18
